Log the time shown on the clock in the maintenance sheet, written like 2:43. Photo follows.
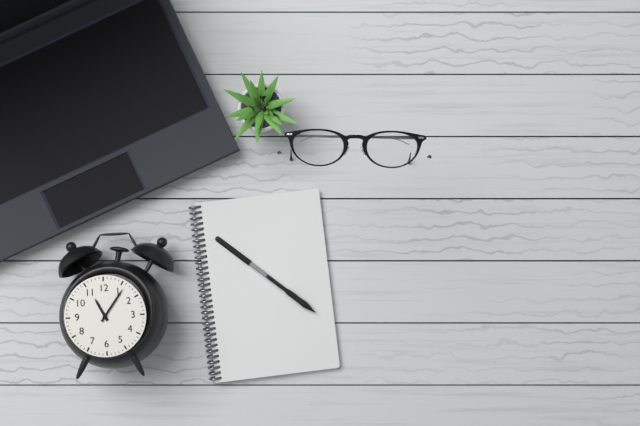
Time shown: 11:06
